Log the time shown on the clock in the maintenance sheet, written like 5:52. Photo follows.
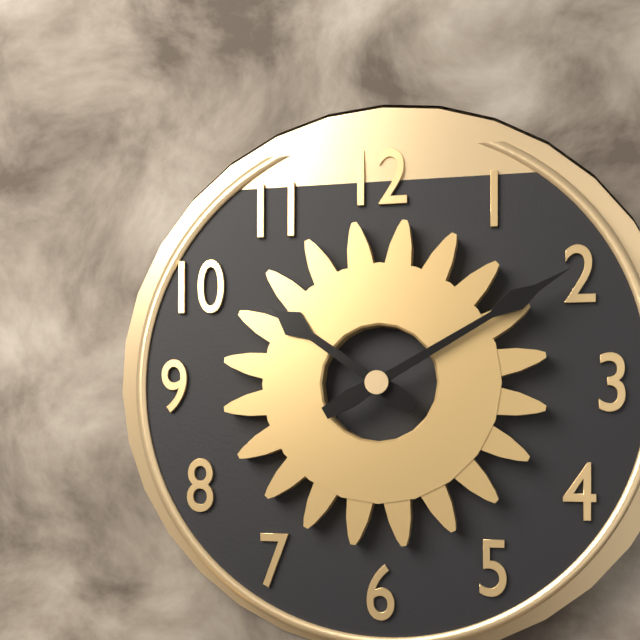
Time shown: 10:10
